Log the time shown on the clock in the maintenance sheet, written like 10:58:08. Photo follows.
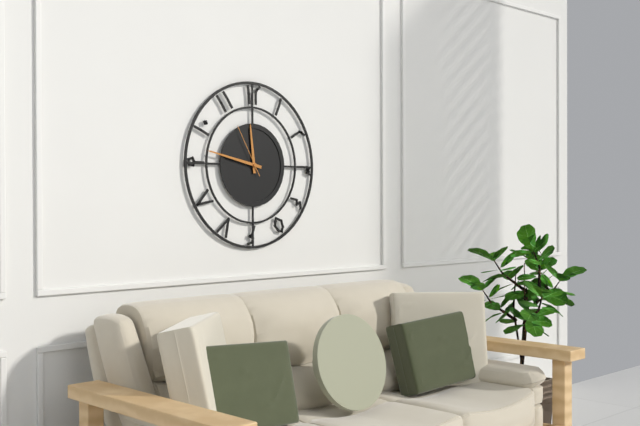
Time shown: 11:47:55
